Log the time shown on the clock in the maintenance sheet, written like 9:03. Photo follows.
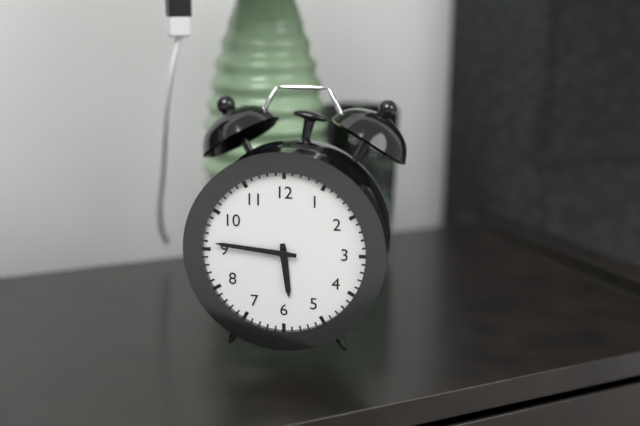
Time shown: 5:46
